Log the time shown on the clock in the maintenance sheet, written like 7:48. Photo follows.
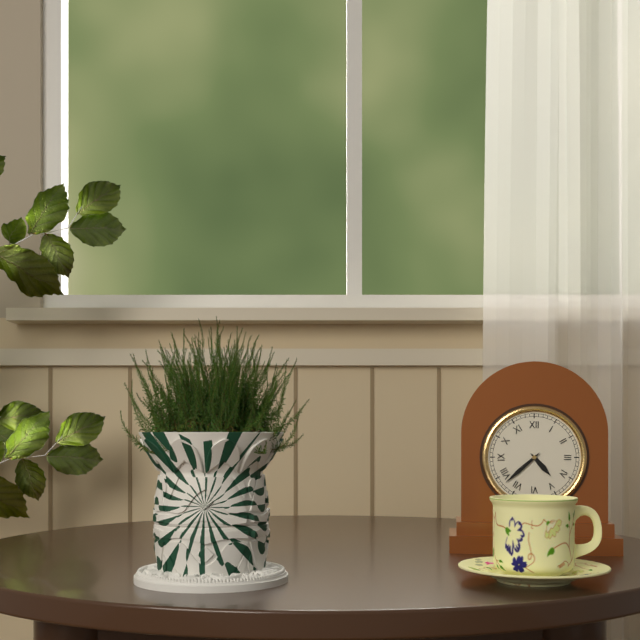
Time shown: 4:38
